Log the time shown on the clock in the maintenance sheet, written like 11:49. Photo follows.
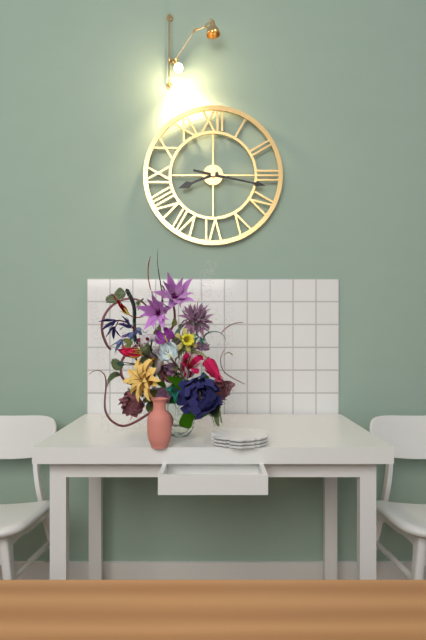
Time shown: 8:17
